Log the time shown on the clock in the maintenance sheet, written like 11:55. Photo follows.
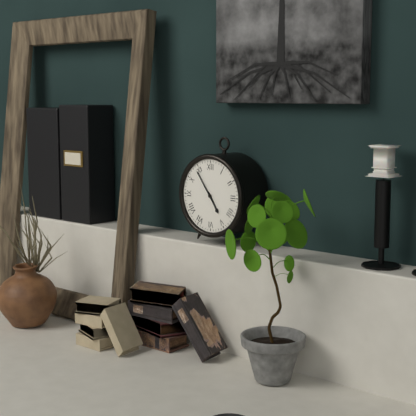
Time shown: 4:54
